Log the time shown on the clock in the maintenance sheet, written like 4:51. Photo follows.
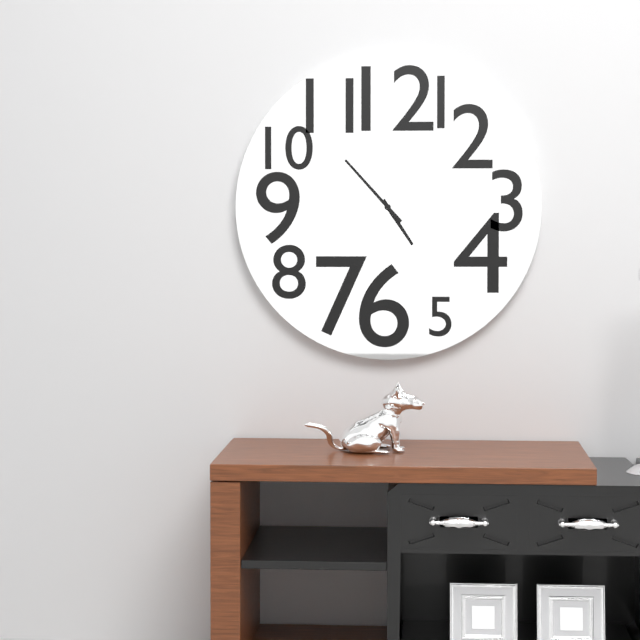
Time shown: 4:53
